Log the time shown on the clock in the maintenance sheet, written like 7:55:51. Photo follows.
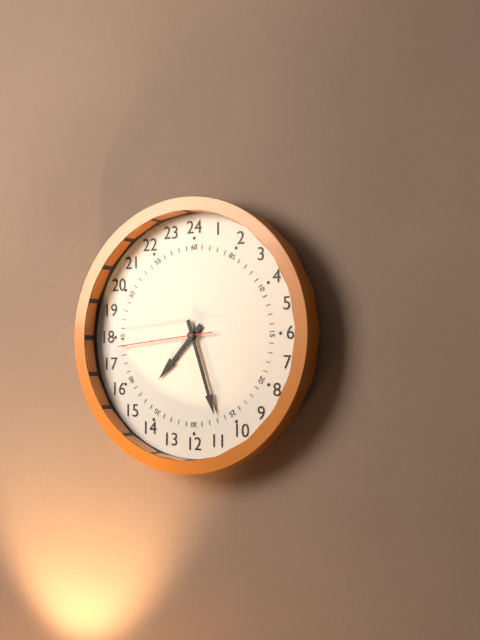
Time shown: 7:27:44
